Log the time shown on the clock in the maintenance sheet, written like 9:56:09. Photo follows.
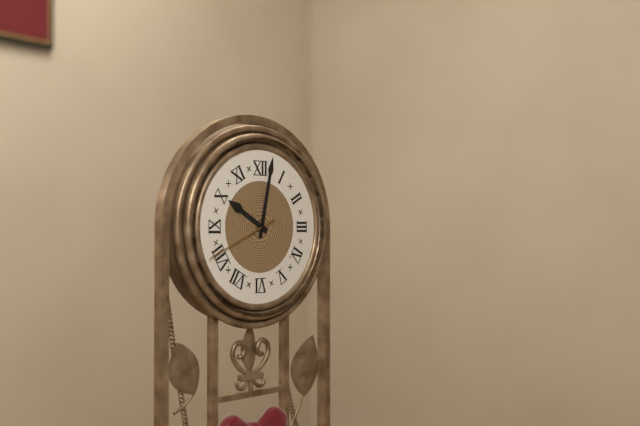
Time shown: 10:02:41
